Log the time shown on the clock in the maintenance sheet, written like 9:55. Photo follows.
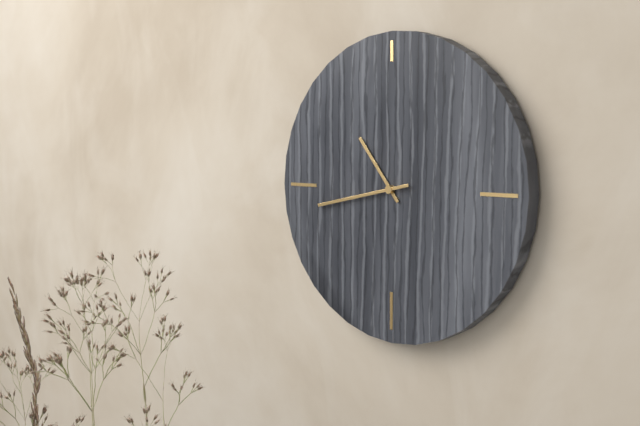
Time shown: 10:43
